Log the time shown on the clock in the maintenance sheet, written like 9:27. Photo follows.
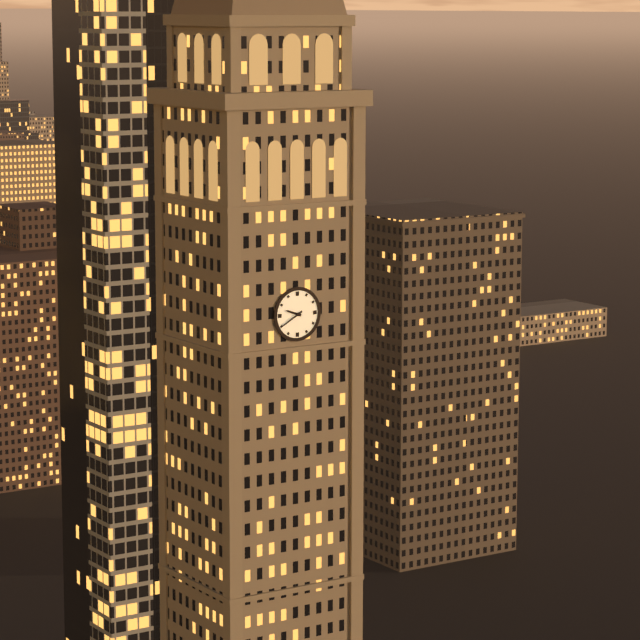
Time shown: 9:40
